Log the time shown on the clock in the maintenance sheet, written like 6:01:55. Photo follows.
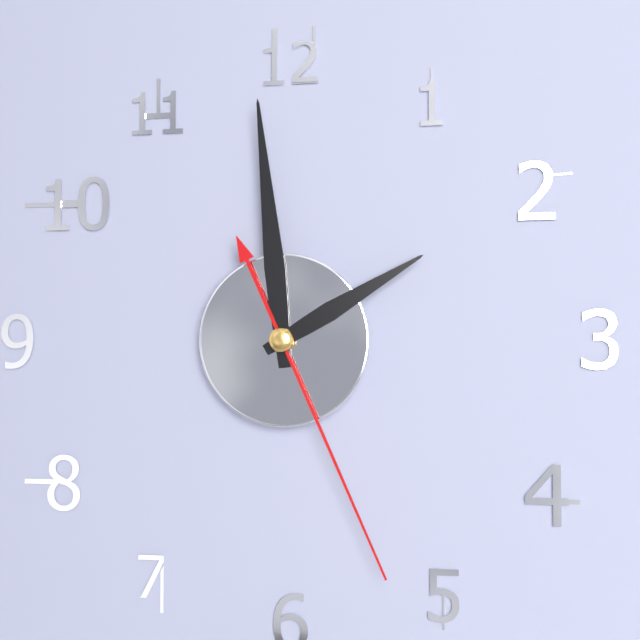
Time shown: 1:59:26
